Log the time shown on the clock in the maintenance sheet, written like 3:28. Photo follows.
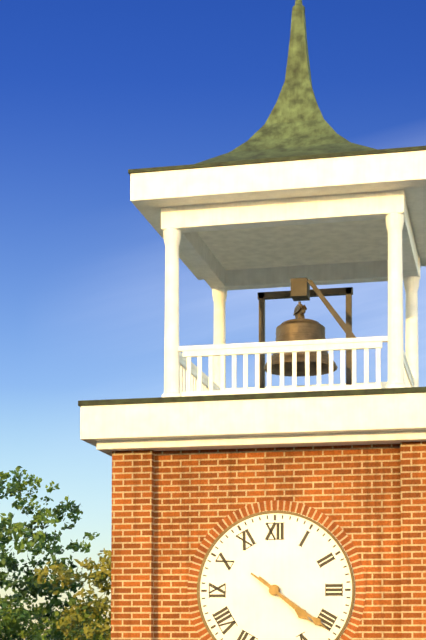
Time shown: 4:21
